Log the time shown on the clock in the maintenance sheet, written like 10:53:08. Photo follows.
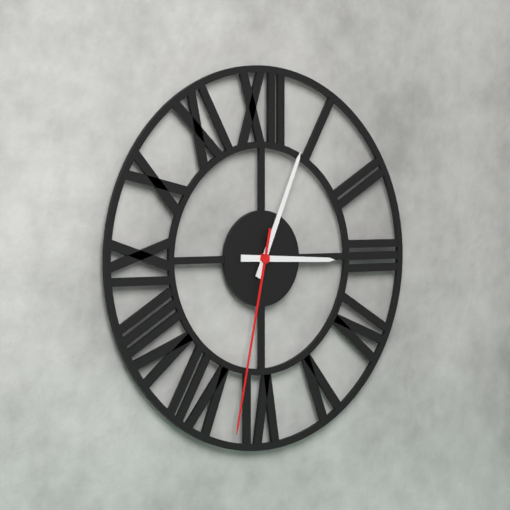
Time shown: 3:04:32
